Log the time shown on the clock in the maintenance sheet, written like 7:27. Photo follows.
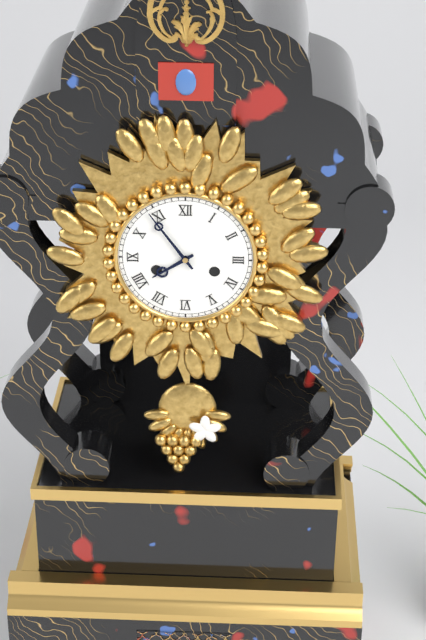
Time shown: 7:54
